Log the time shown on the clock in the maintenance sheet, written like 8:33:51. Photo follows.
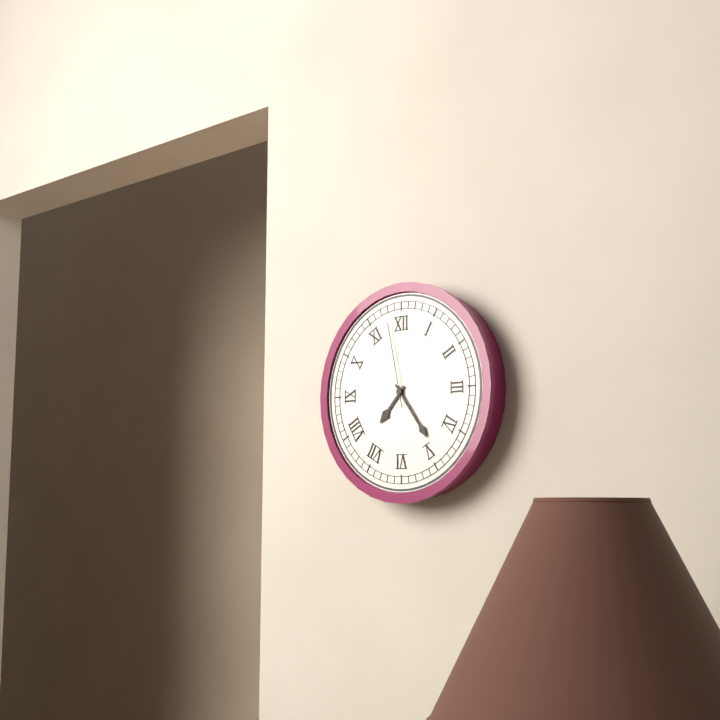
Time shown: 7:24:58
